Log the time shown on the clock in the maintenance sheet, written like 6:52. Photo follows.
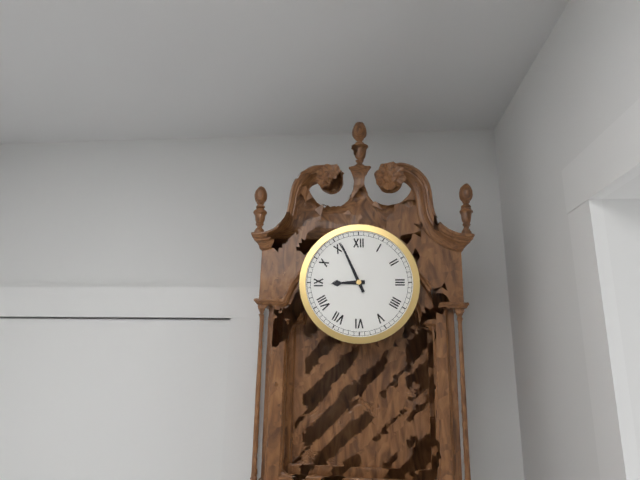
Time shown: 8:56
